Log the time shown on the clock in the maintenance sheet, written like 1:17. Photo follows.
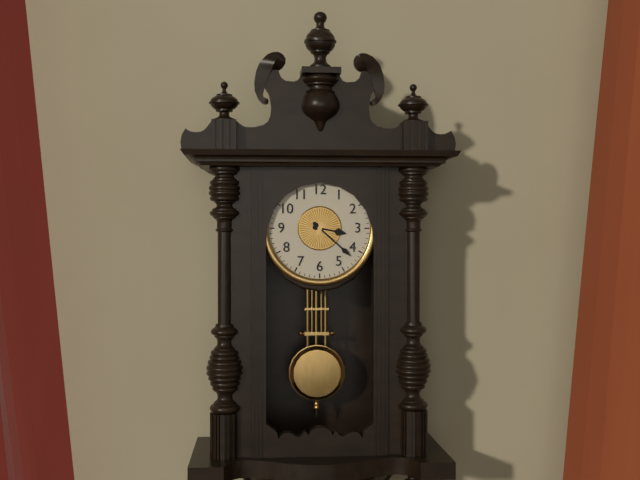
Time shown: 3:22
